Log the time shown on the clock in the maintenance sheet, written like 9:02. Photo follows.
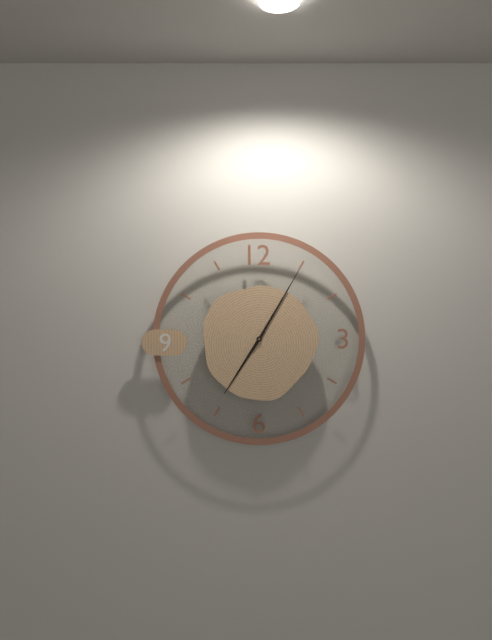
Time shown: 7:05
